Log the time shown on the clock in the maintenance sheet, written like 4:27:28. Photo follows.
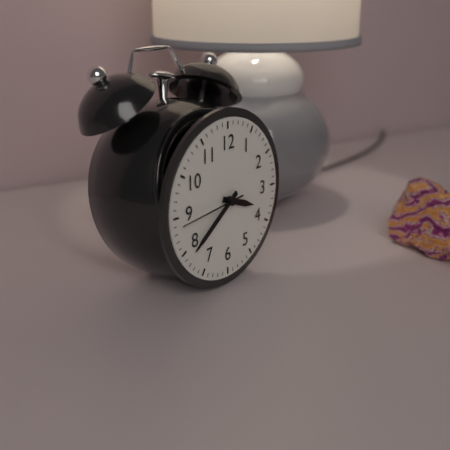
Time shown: 3:39:44
